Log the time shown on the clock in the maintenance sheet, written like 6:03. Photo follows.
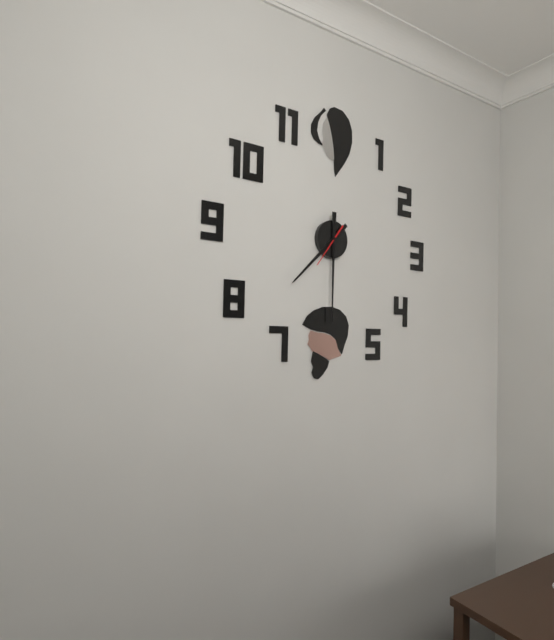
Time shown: 7:30
